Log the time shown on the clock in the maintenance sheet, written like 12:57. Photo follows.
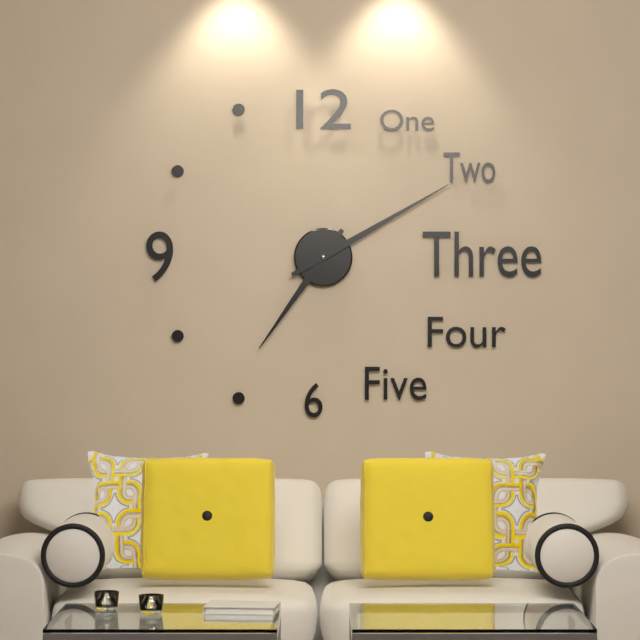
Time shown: 7:10
